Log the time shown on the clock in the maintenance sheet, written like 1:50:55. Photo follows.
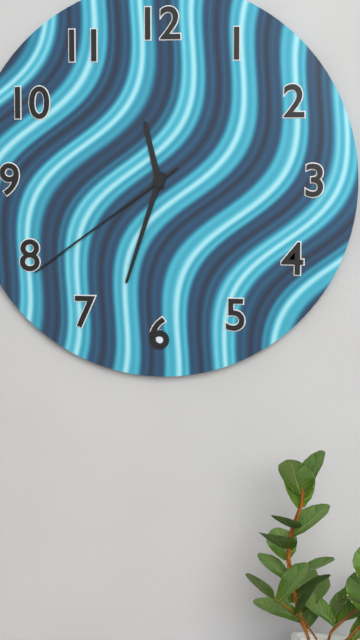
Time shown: 11:33:39
